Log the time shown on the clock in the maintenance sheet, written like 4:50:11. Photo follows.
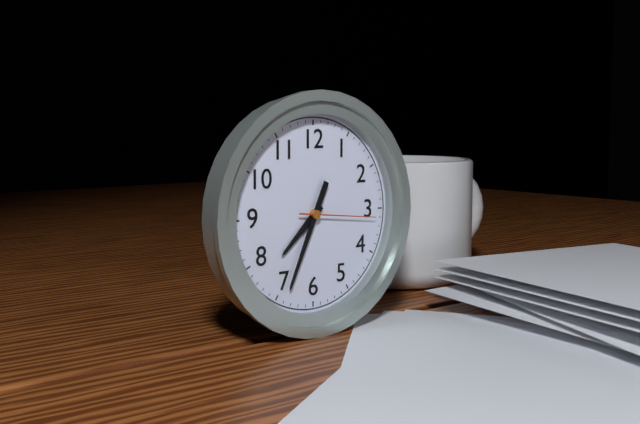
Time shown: 7:34:16
